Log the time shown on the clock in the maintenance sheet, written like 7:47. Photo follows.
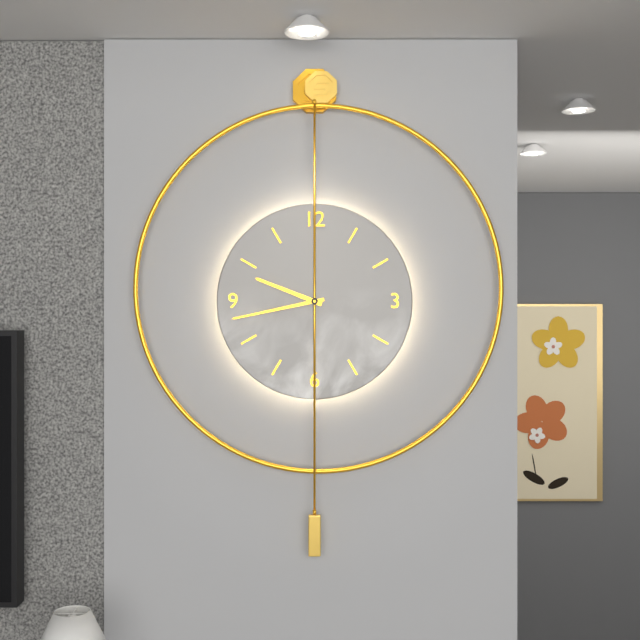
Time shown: 9:43
